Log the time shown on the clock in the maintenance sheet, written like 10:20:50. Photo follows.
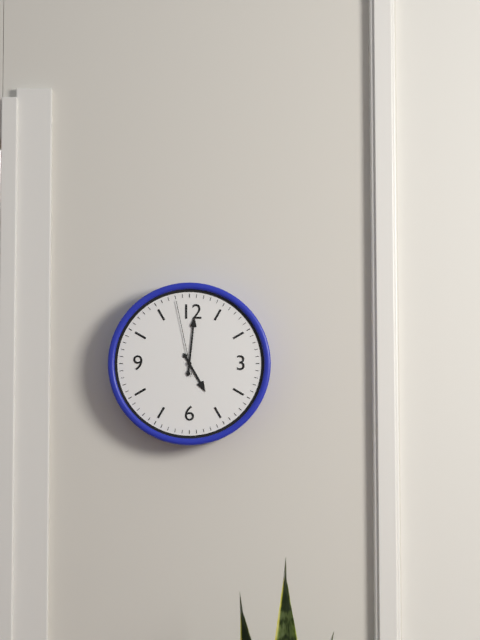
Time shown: 5:01:58
